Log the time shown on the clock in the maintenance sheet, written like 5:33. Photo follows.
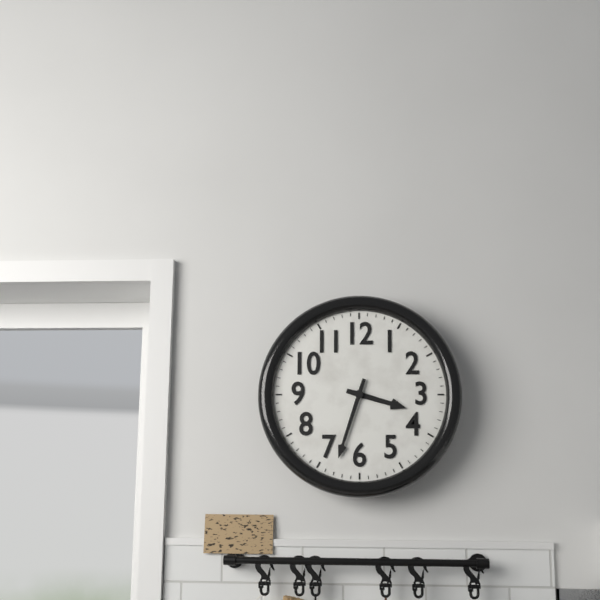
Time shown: 3:33
